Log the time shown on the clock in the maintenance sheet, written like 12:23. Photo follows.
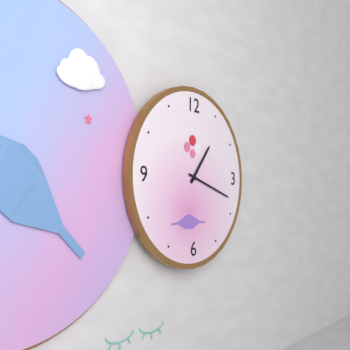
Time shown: 1:18
